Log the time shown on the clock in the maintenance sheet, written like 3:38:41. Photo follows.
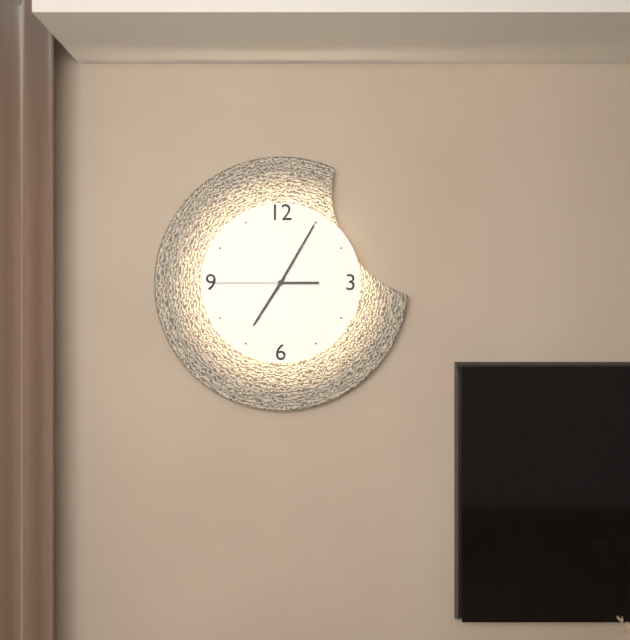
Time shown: 7:05:45
